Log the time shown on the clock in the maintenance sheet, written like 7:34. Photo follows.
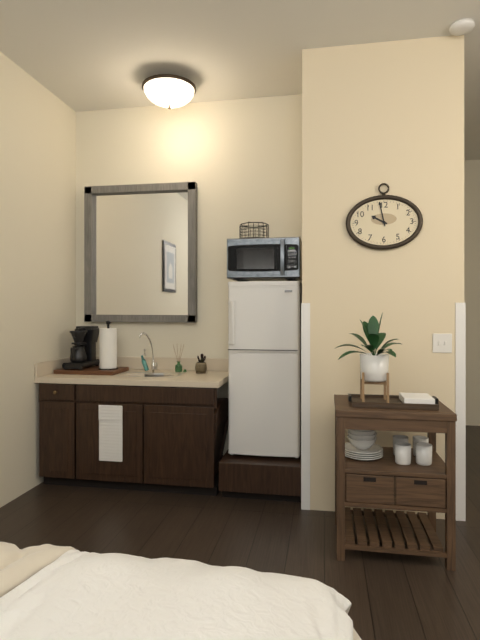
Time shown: 9:58
